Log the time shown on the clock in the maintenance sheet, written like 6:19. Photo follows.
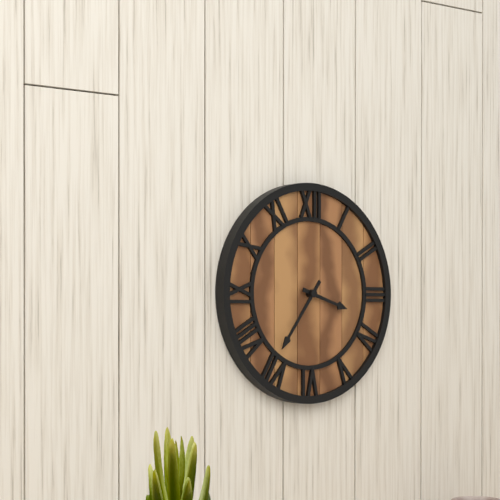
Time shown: 3:36
